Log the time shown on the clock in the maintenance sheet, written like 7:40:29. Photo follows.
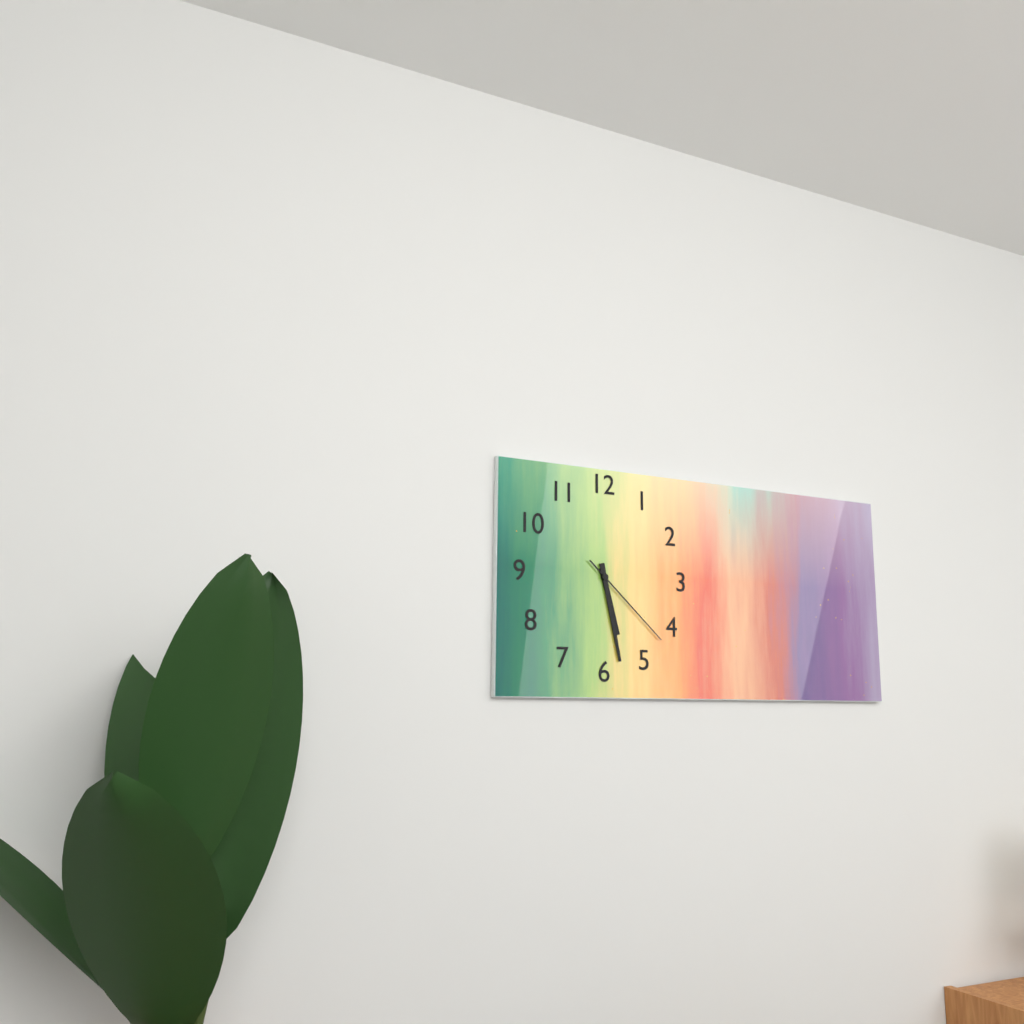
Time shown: 5:28:22
